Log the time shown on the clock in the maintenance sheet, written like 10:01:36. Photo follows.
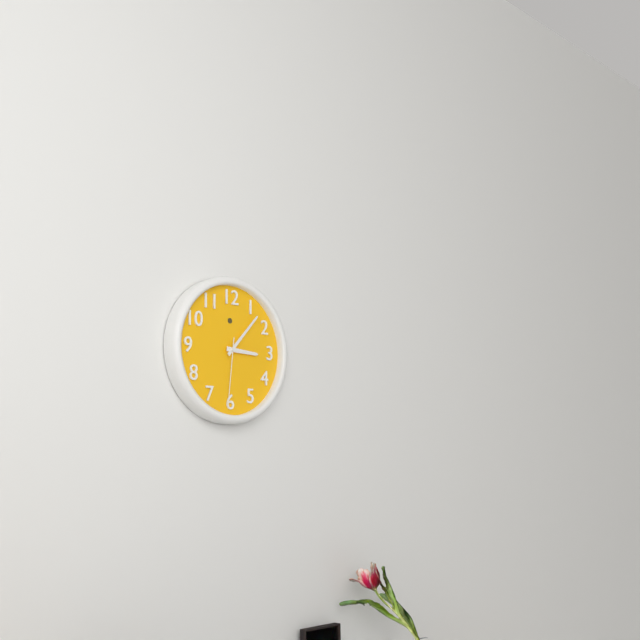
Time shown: 3:07:31
